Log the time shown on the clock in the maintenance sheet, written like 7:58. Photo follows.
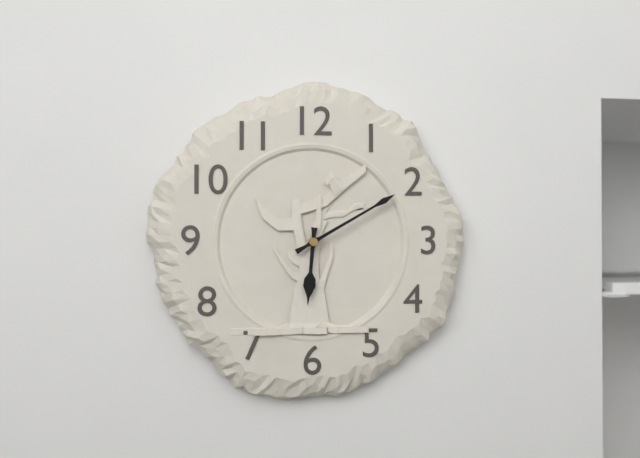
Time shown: 6:10
